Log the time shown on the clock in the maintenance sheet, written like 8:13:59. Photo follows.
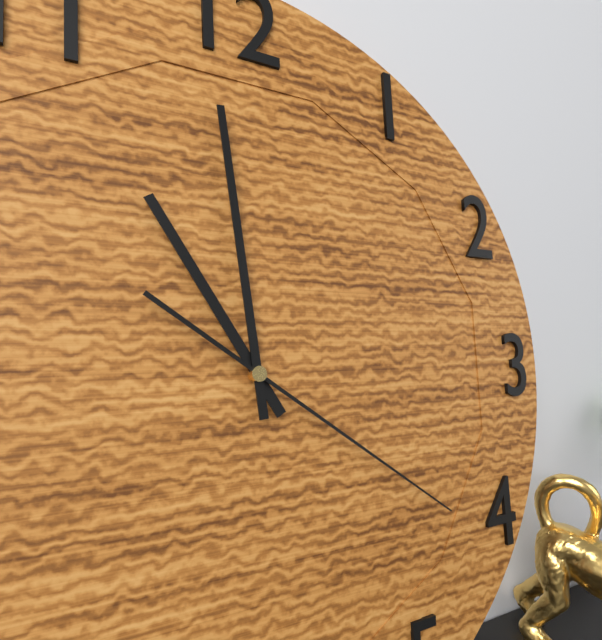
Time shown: 10:59:21
